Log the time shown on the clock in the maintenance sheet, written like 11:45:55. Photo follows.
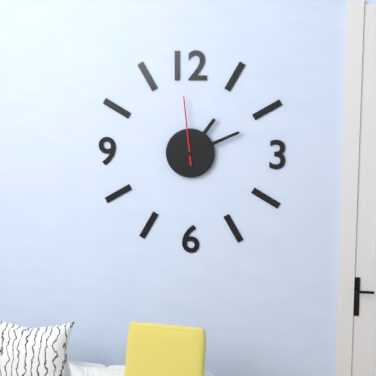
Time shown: 1:11:59
